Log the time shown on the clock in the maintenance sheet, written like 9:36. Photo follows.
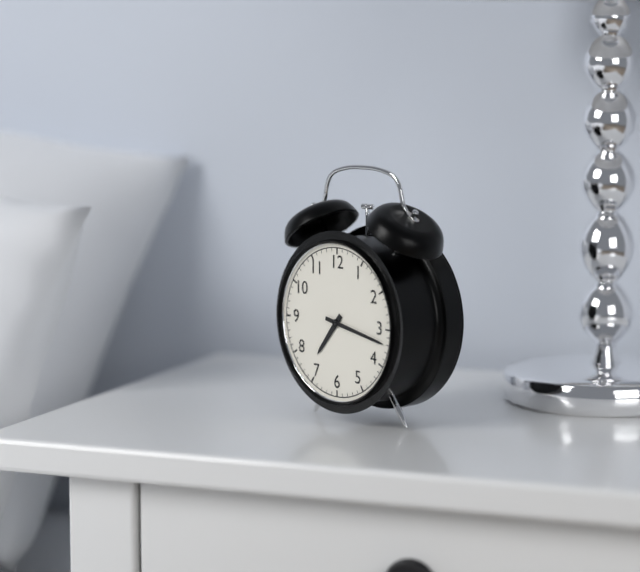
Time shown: 7:17
